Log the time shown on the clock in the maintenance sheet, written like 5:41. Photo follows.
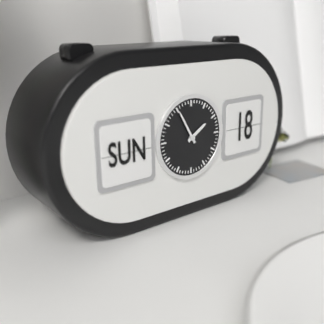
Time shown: 1:55
